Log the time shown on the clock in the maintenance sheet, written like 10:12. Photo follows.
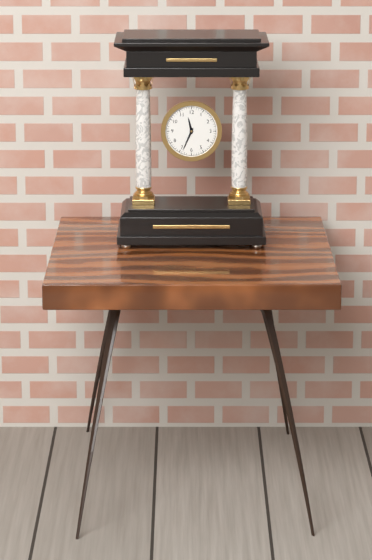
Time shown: 11:34
